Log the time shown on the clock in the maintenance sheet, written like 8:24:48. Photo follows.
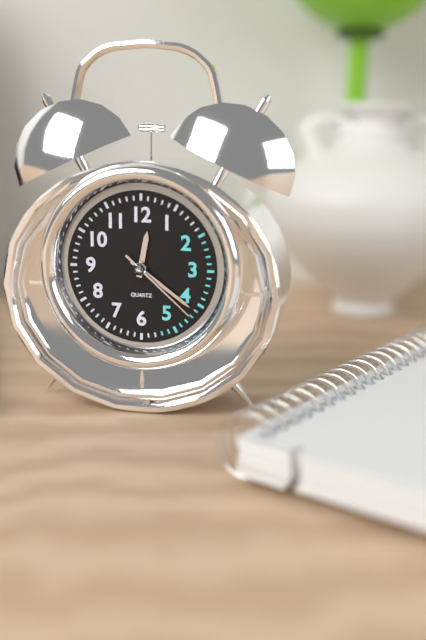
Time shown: 12:21:22
